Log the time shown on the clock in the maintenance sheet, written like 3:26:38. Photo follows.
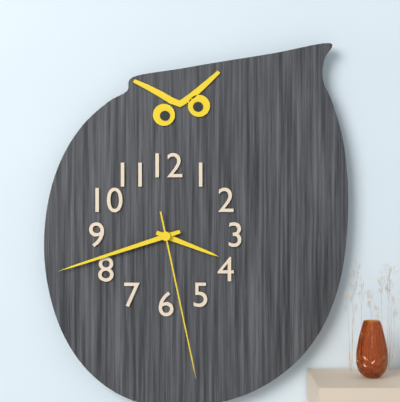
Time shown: 3:42:28
